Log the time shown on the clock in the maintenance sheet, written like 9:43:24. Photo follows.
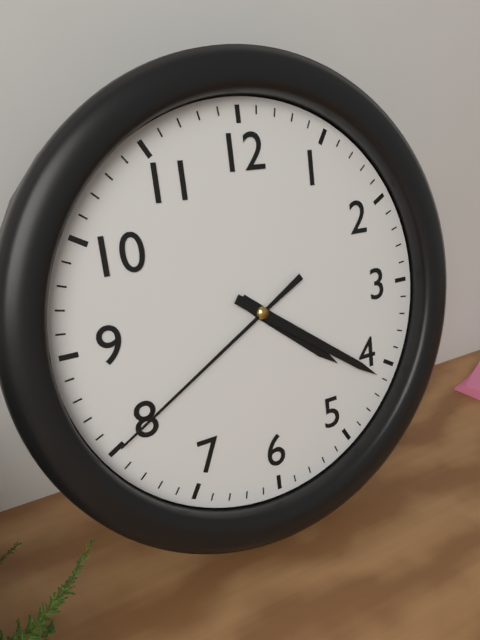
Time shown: 4:21:40
